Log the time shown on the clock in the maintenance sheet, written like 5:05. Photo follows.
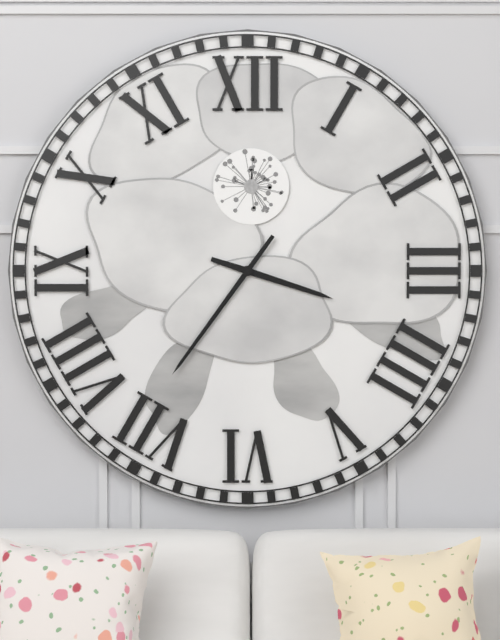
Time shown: 3:36
